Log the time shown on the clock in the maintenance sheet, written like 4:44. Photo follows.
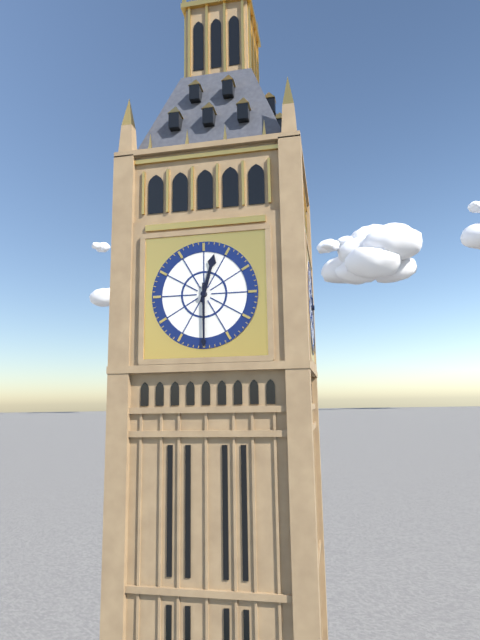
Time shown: 12:30
